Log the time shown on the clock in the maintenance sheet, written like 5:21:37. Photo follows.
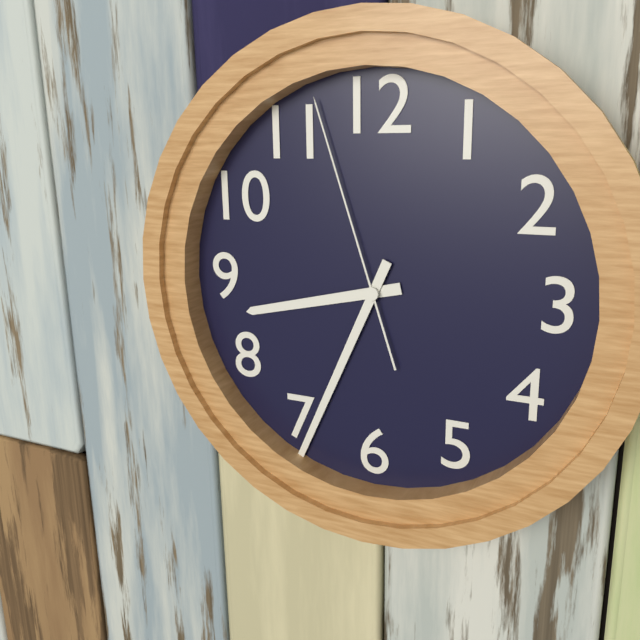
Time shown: 8:34:57
